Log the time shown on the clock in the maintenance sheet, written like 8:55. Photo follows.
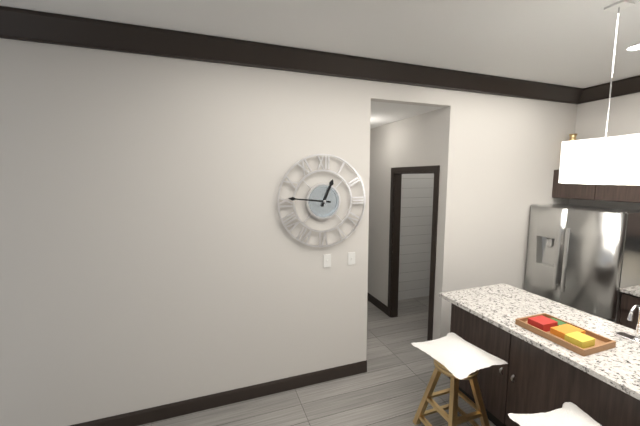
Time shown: 12:46
